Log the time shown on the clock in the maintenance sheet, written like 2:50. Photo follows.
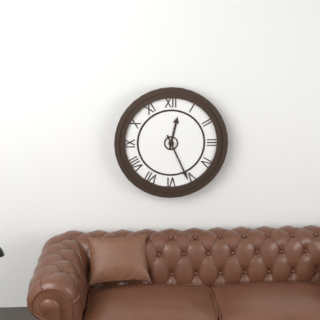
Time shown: 12:26
